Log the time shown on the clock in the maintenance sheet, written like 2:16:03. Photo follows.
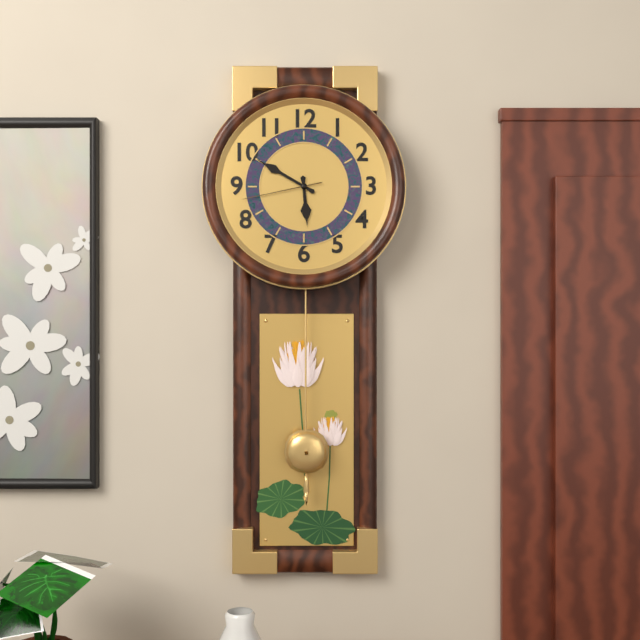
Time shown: 5:50:43
